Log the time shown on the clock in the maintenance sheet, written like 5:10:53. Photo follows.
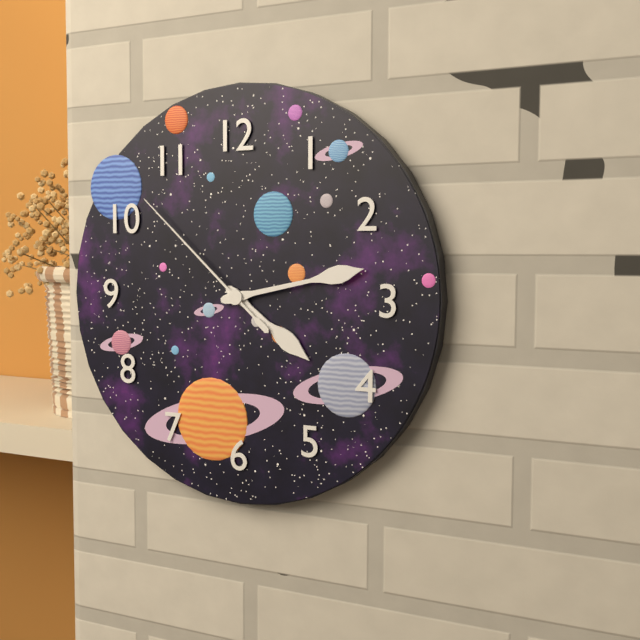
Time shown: 4:13:52
